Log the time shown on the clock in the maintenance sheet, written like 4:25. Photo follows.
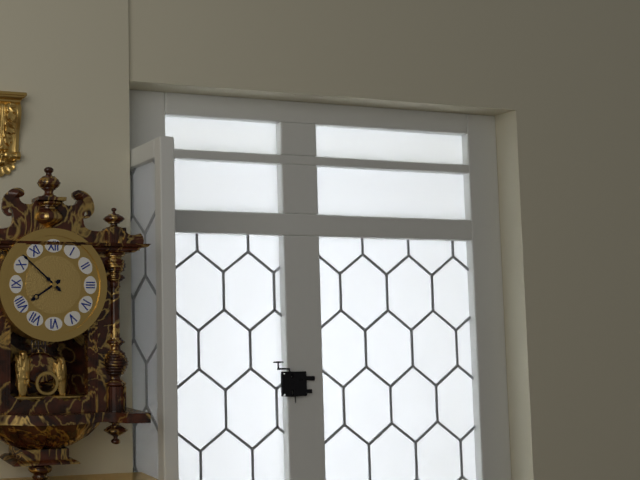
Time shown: 7:52
